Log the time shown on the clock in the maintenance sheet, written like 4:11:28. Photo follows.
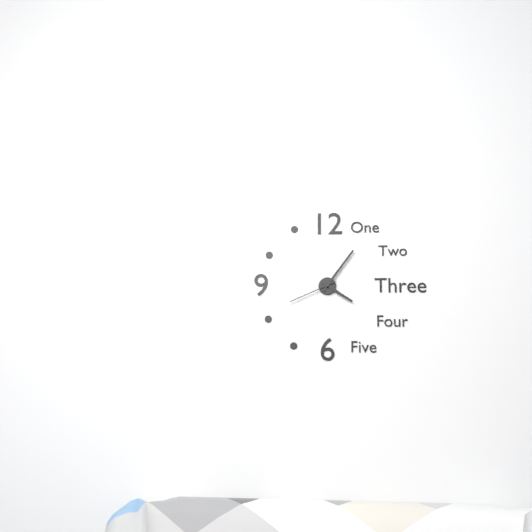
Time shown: 4:06:41
